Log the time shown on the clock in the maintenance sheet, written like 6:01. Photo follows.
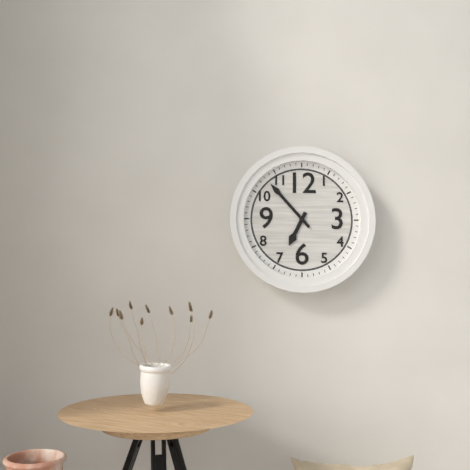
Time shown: 6:53
